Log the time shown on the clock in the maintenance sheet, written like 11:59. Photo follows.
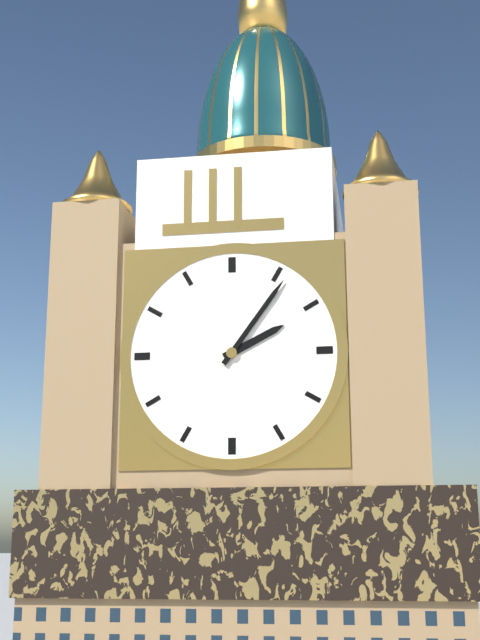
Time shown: 2:06
